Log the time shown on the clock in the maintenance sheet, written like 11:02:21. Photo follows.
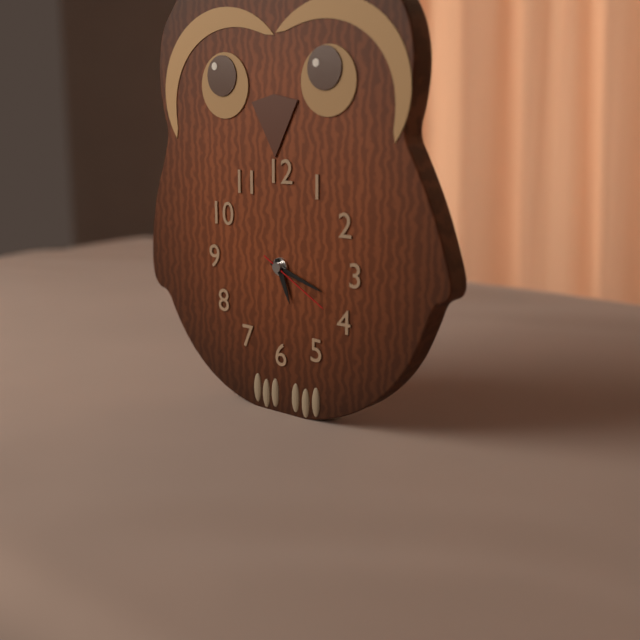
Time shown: 5:18:20
